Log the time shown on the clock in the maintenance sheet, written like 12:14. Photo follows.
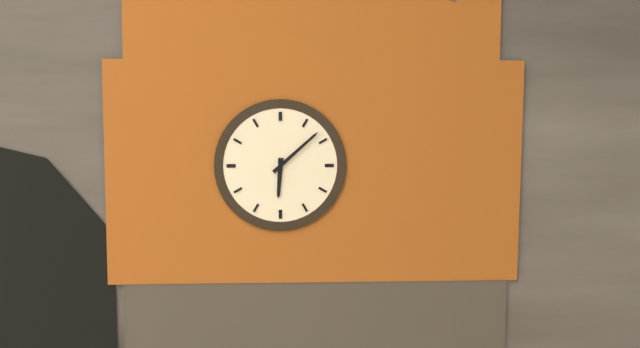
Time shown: 6:08
